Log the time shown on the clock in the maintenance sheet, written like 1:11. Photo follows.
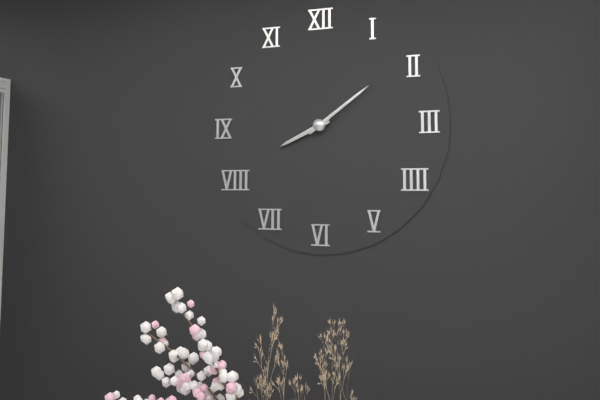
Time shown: 8:09
